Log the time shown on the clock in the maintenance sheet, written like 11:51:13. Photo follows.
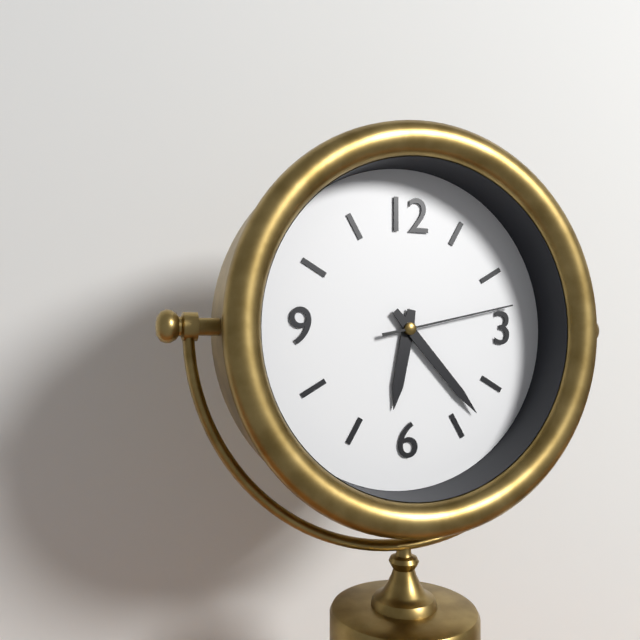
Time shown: 6:23:13
